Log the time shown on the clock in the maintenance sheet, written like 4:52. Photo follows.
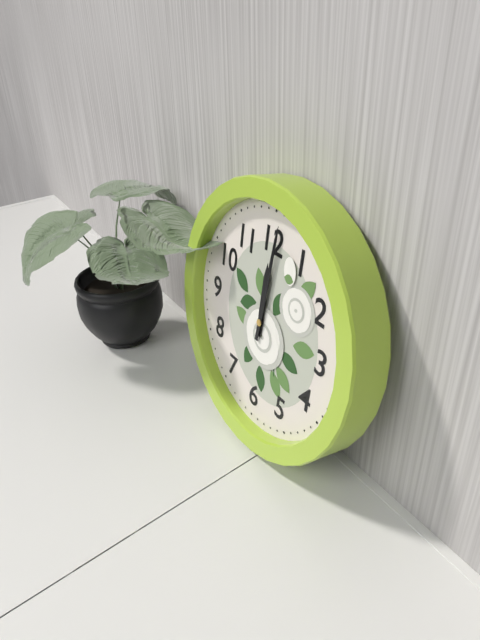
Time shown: 12:01
